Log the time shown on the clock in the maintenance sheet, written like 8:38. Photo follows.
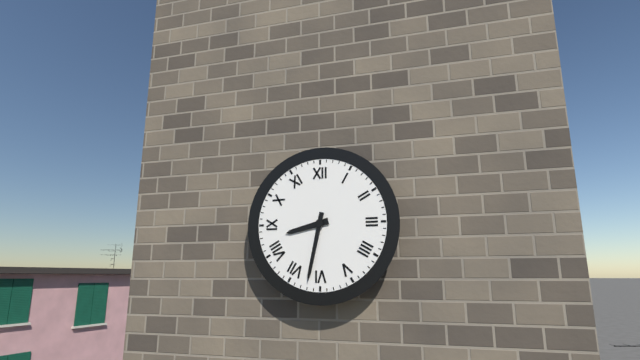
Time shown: 8:32
